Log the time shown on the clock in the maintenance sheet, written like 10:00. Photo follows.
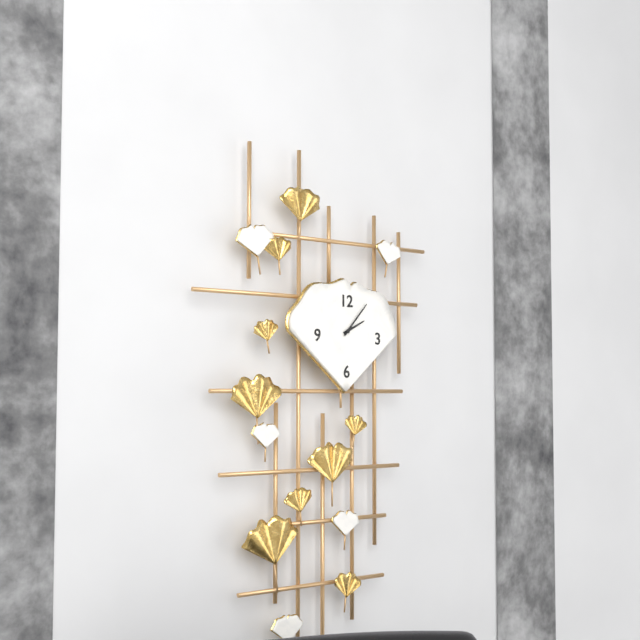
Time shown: 2:07
